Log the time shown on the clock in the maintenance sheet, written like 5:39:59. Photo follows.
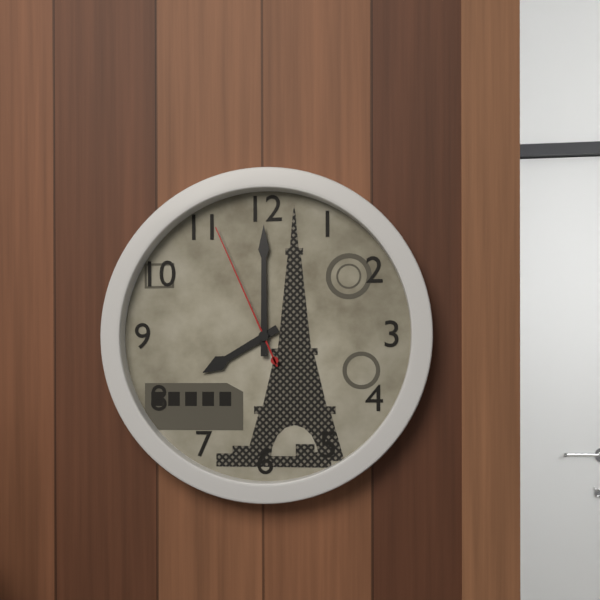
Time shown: 8:00:56
